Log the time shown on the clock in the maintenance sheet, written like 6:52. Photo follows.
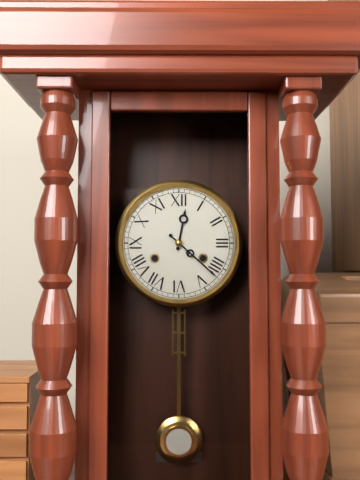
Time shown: 12:22
